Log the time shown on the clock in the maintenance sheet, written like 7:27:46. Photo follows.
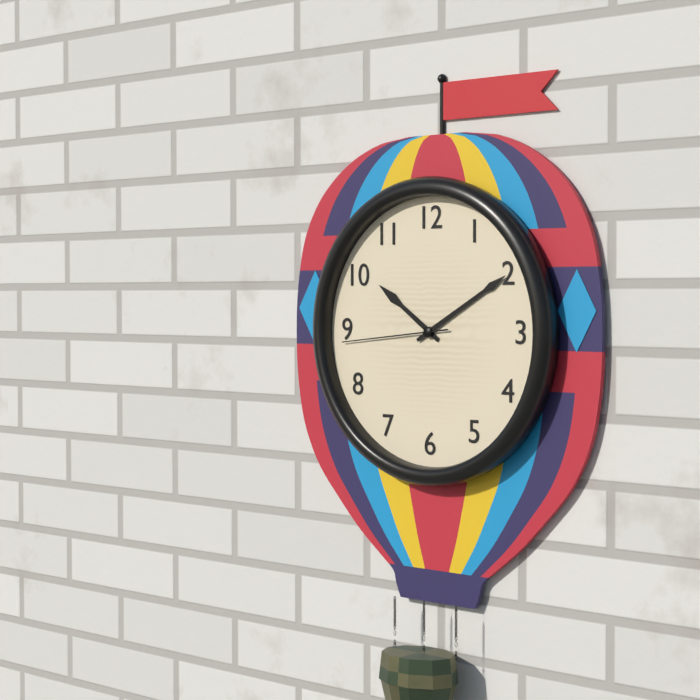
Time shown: 10:10:44
